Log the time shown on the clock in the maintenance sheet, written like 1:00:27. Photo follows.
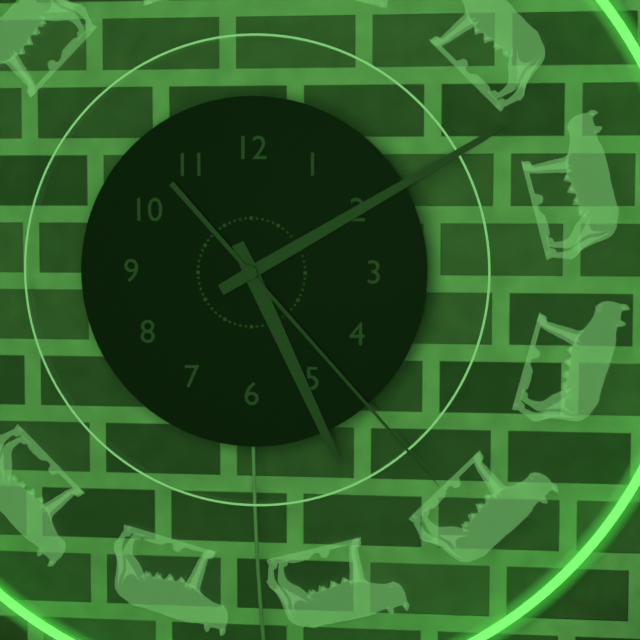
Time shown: 5:10:23
